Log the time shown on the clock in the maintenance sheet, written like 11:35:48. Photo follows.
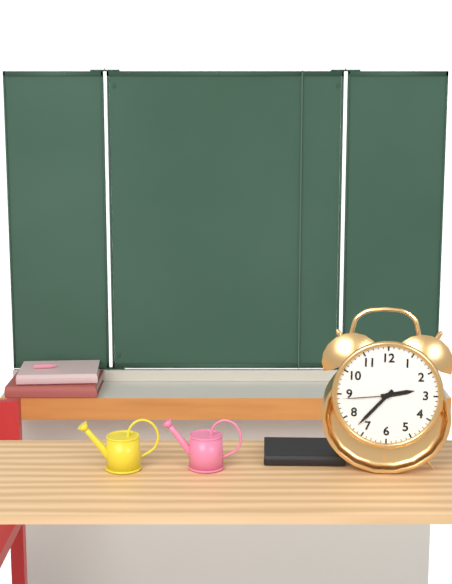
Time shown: 2:37:44
